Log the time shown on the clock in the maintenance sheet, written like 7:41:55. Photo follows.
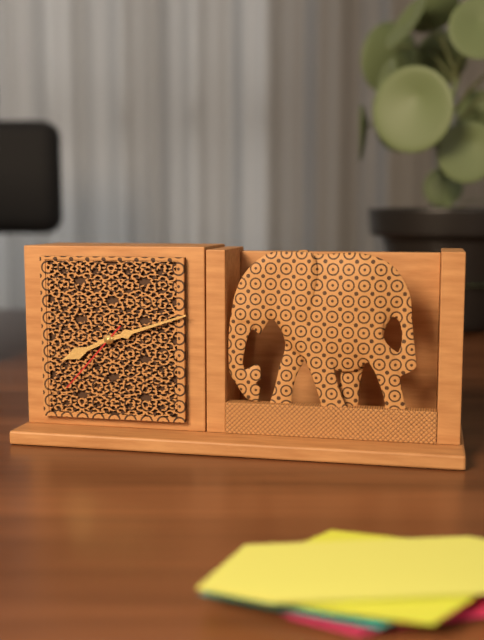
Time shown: 8:12:37
